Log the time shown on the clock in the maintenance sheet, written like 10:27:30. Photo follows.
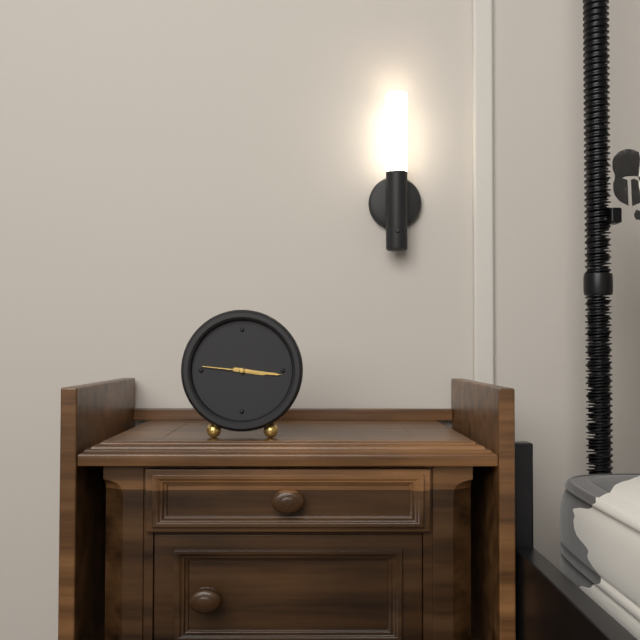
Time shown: 3:16:46
